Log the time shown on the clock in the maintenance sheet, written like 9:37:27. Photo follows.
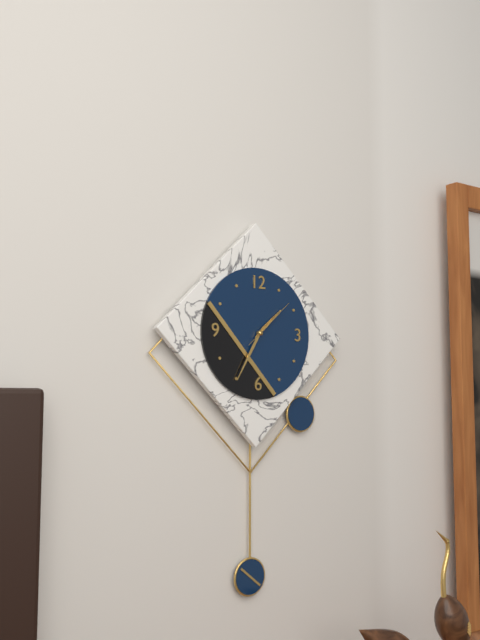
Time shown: 1:35:08
